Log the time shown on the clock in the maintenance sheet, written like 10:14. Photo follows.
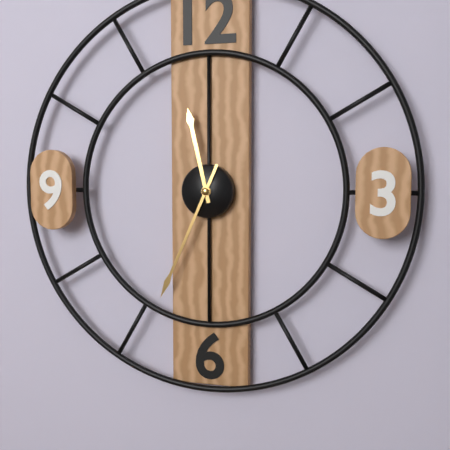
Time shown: 11:34
